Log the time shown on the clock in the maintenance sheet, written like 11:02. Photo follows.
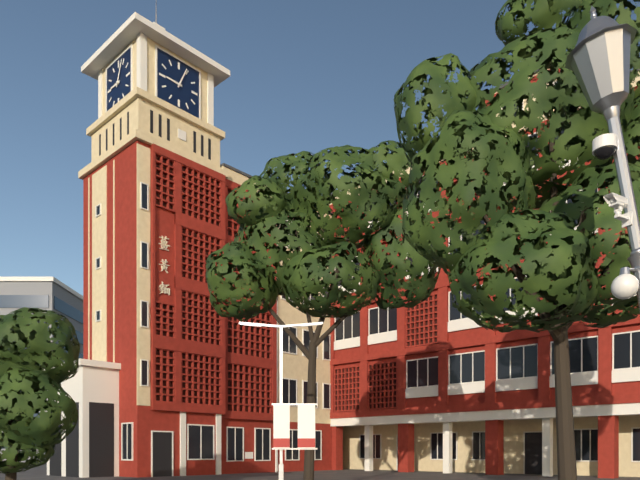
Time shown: 9:04
